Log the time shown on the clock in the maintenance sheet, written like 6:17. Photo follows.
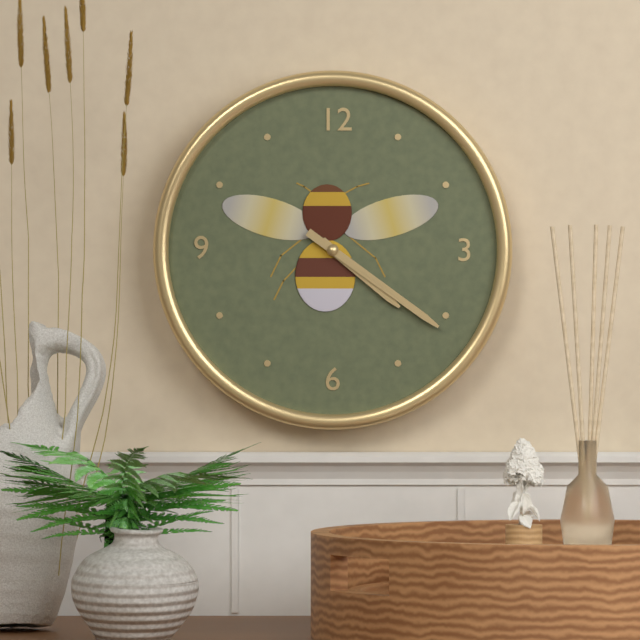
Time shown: 4:21
